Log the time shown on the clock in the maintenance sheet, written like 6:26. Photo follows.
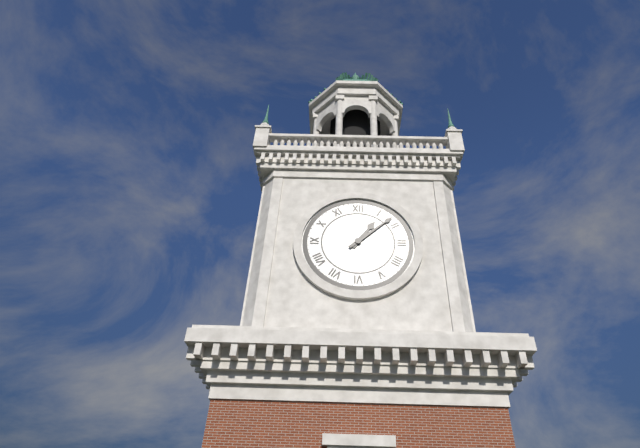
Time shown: 1:08
